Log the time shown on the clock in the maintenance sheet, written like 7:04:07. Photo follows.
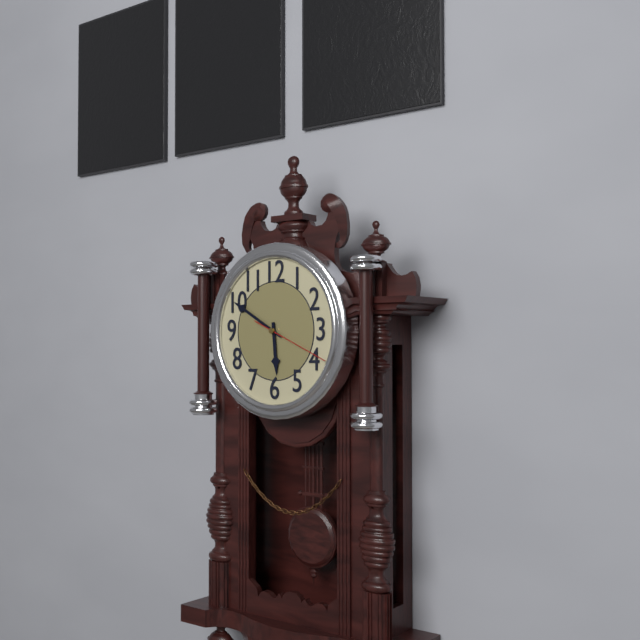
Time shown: 5:50:19
